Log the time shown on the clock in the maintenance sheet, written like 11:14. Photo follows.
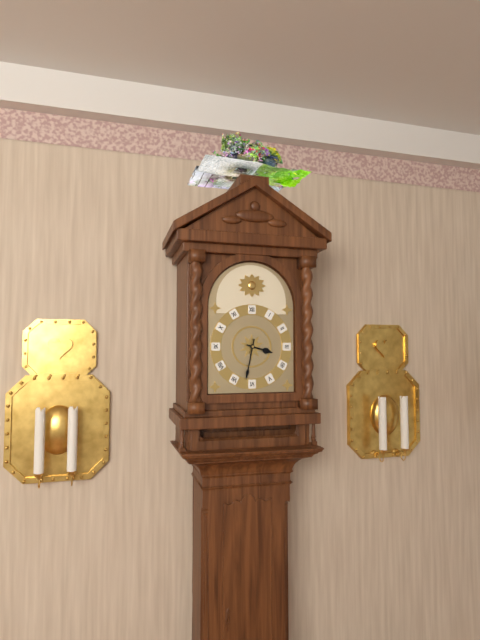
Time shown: 3:32
